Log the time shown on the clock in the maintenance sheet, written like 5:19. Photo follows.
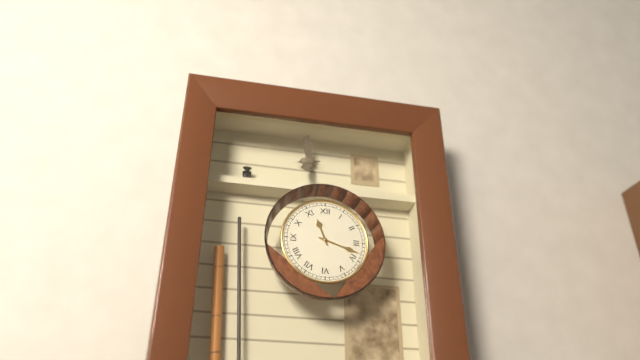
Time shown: 11:18
